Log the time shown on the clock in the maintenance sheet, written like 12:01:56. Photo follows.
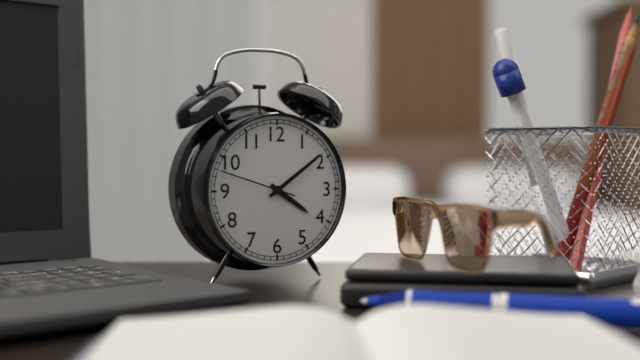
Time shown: 4:09:48
